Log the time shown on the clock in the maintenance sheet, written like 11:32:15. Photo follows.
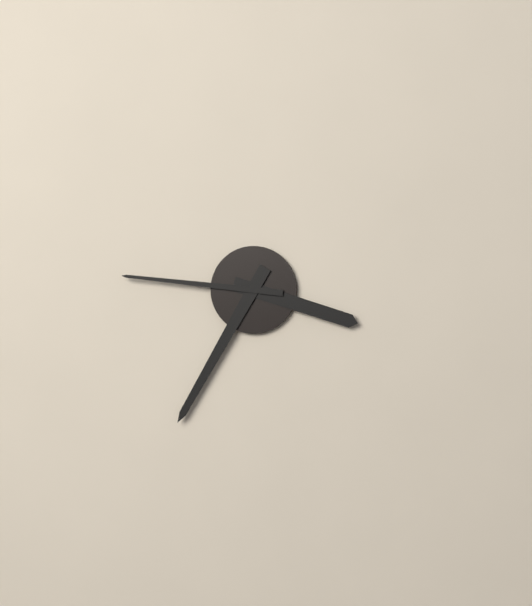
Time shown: 3:35:46
